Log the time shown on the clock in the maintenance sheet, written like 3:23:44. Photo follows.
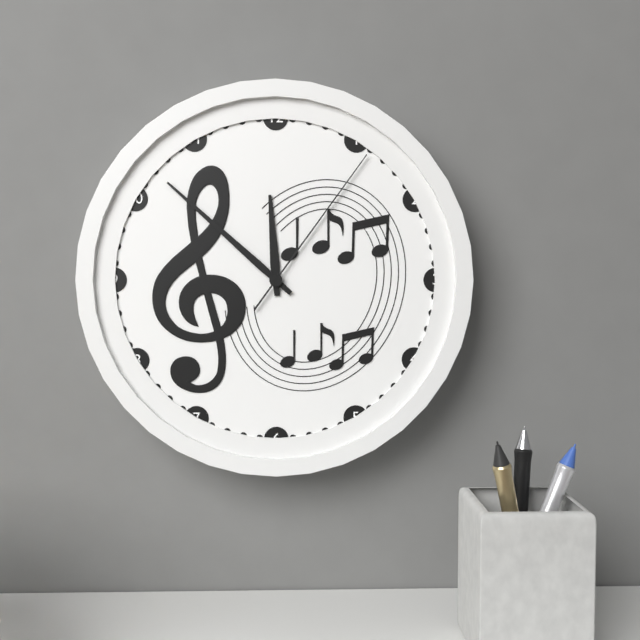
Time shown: 11:52:06
